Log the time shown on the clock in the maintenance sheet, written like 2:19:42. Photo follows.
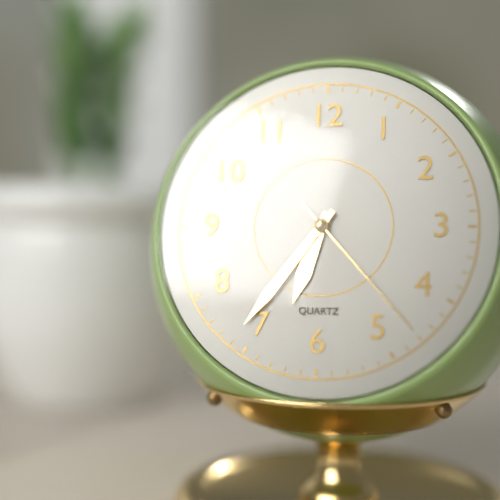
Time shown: 6:36:23
